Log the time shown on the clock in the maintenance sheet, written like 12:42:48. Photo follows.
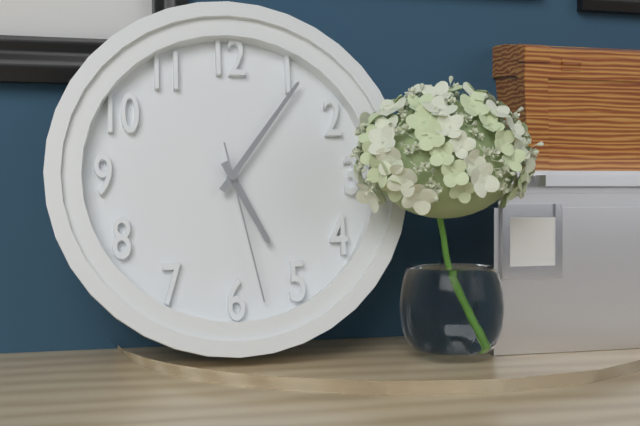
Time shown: 5:06:28
